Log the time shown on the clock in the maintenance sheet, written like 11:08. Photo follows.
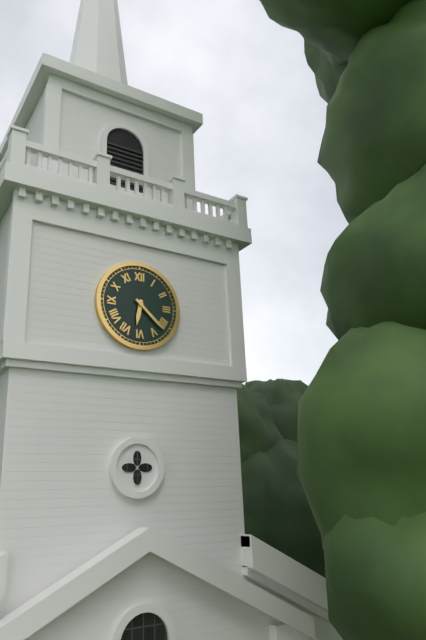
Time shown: 6:22
